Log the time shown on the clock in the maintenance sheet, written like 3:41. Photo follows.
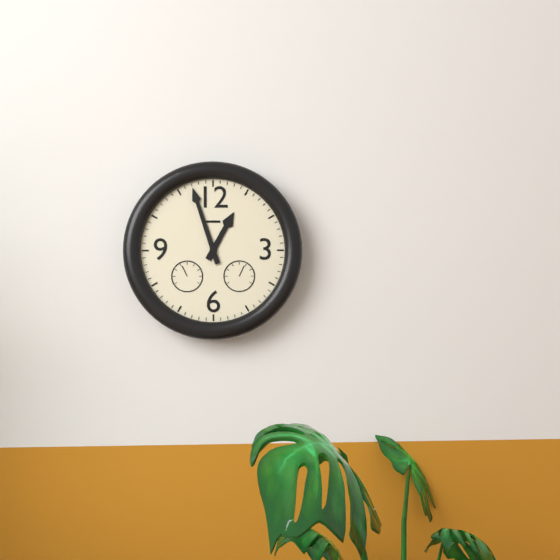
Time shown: 12:57
